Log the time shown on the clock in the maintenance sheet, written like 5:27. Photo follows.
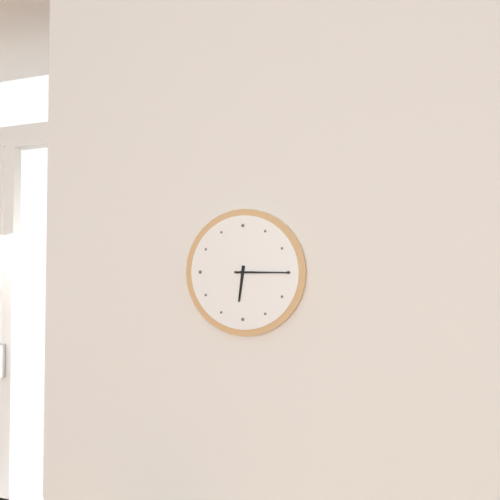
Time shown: 6:15
